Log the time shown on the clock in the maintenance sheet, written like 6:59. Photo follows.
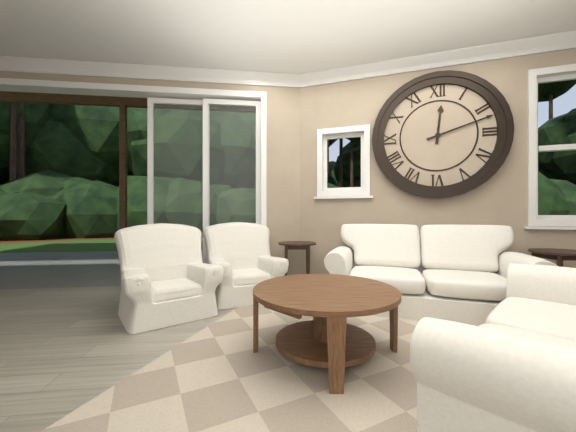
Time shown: 12:12
